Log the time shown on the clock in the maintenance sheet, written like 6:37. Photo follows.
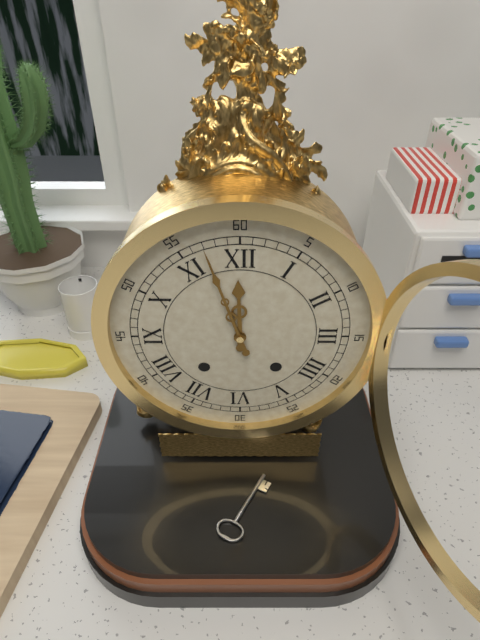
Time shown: 11:57
